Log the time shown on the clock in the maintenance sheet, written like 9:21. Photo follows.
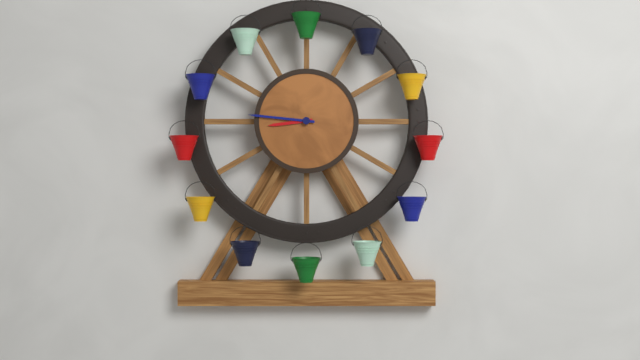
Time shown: 8:46
